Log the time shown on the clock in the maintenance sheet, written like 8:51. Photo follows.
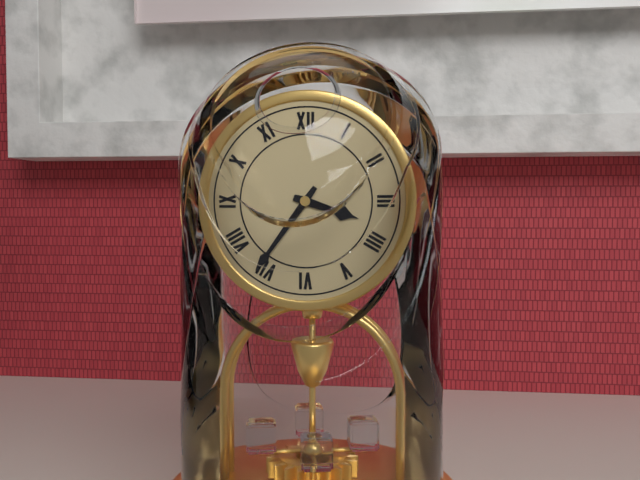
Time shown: 3:36
